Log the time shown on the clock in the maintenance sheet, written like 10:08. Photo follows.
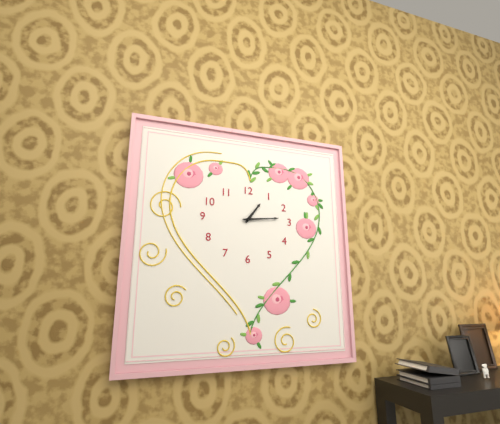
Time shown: 1:14
